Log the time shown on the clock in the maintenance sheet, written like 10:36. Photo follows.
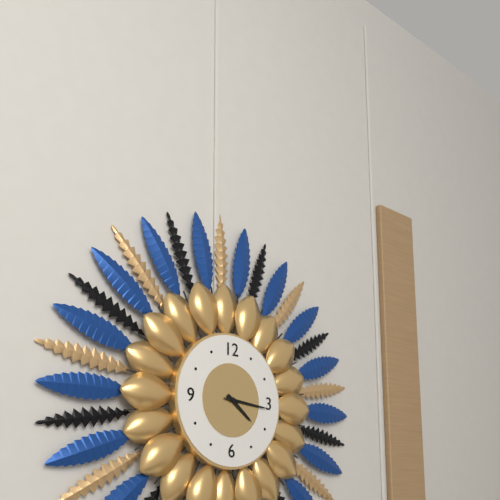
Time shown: 4:16
